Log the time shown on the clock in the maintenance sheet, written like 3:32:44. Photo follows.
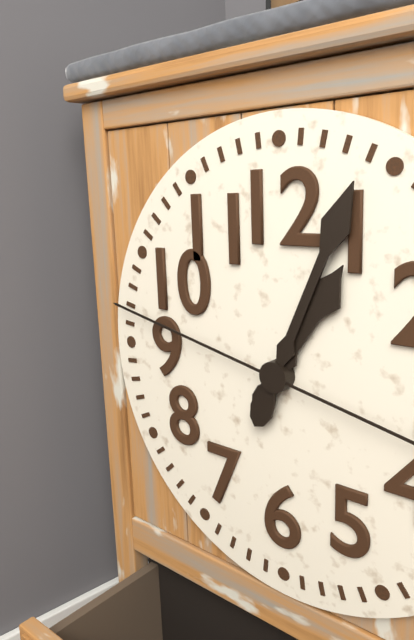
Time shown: 1:04:47
